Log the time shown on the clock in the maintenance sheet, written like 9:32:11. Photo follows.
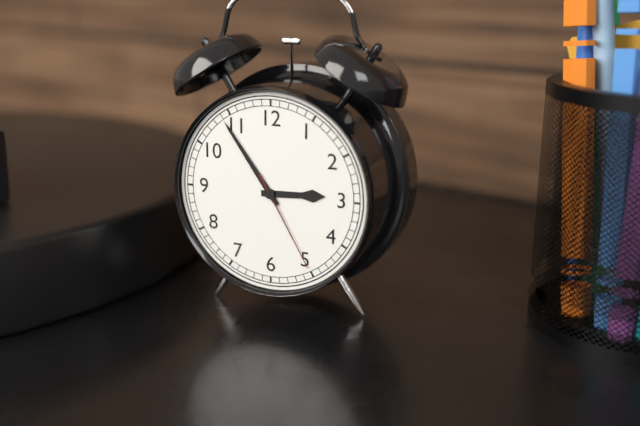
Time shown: 2:54:25
